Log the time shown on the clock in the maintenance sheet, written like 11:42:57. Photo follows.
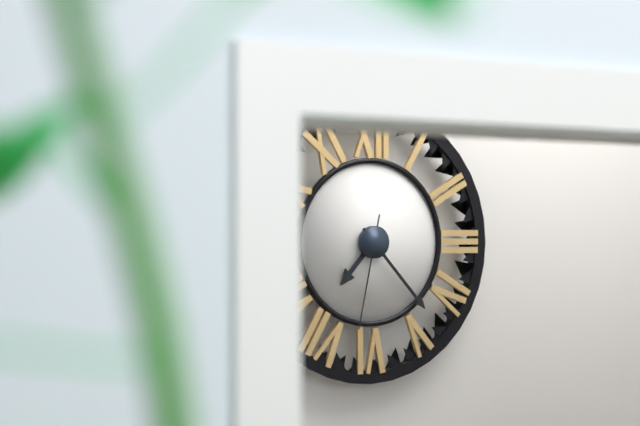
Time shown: 7:23:32
